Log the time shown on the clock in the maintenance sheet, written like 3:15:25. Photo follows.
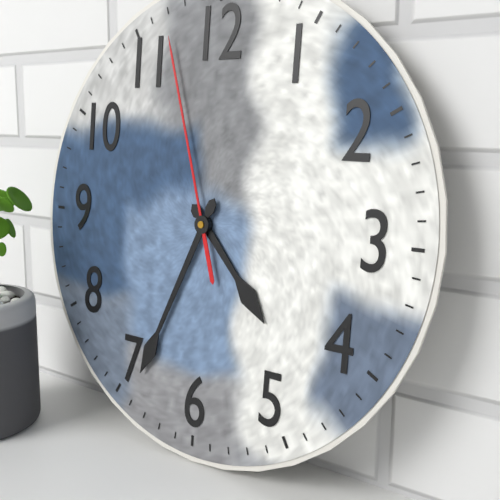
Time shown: 4:34:57
